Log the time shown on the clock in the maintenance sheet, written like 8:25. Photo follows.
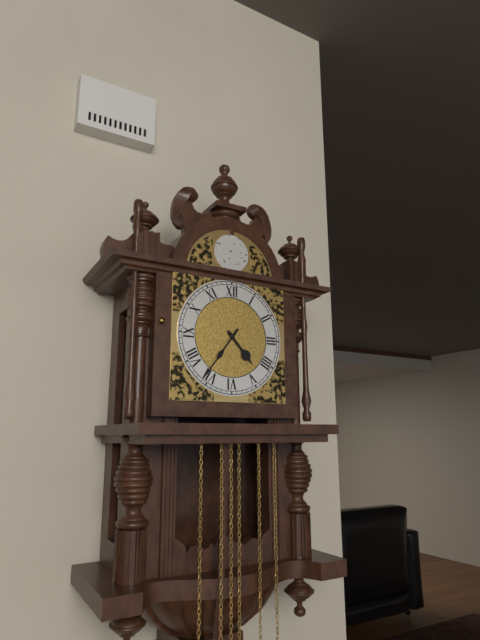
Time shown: 4:36
